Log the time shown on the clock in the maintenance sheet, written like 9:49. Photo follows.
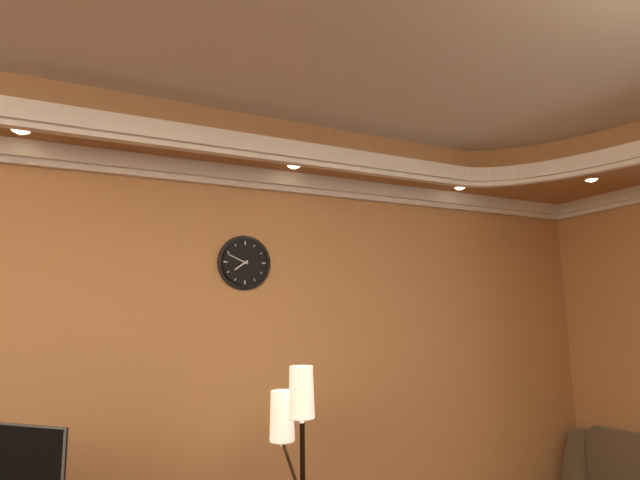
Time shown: 7:49
